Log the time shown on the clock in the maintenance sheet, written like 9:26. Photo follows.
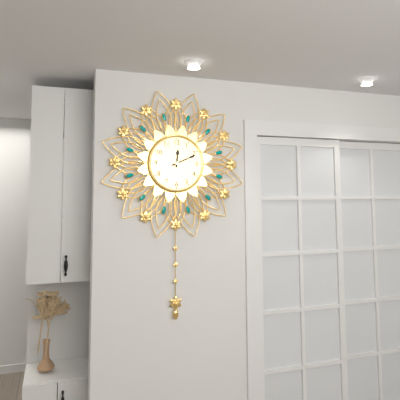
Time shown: 12:11
